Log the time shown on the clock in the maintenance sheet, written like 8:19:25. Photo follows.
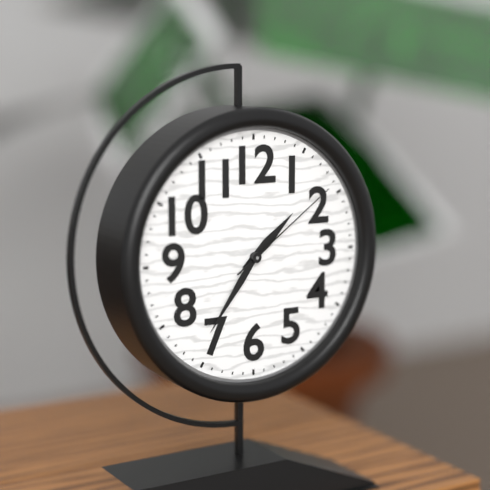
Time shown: 1:36:09
